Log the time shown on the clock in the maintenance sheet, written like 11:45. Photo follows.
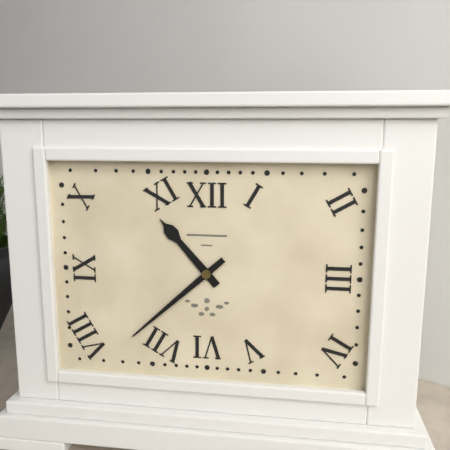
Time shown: 10:38
